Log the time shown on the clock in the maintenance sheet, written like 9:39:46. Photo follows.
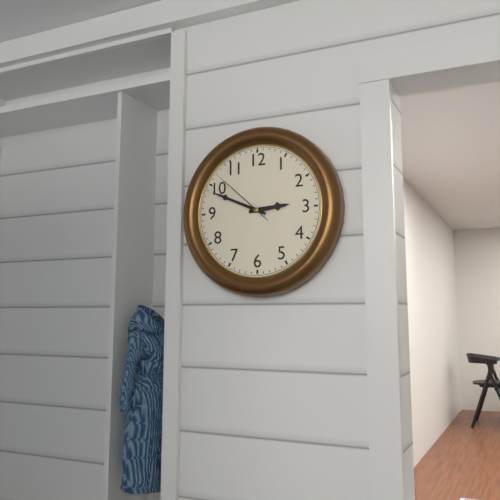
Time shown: 2:49:52
